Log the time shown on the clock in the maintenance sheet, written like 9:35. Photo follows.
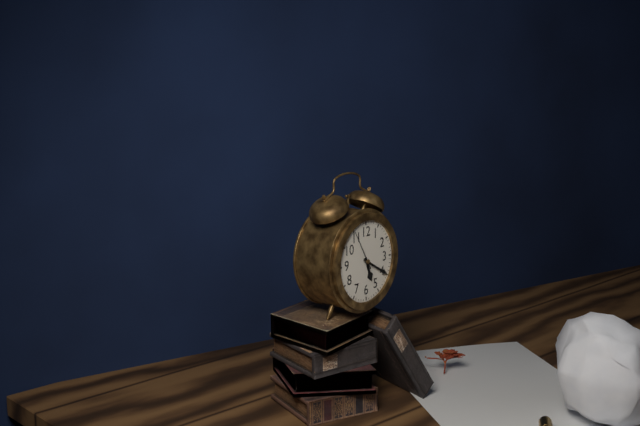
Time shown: 5:20
